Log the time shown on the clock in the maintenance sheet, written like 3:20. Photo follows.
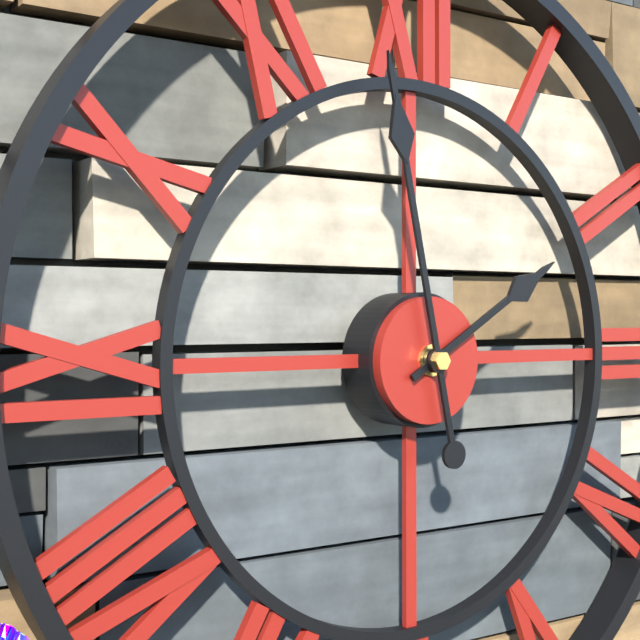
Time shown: 1:58
